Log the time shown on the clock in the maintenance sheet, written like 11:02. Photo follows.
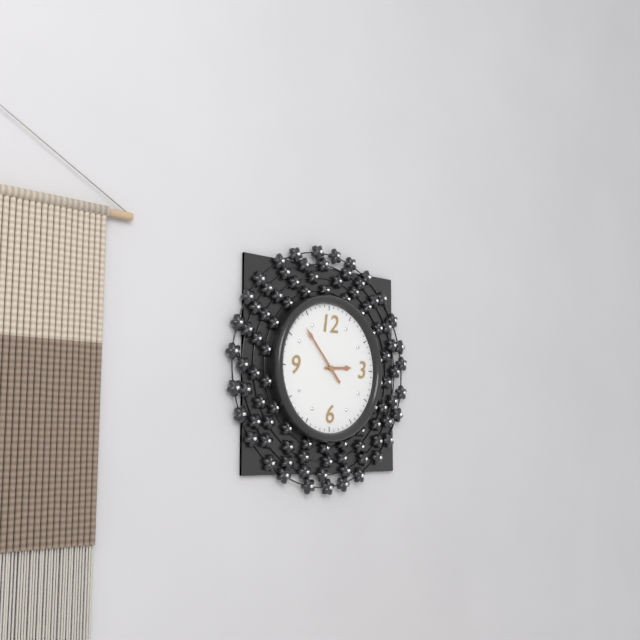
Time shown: 2:53
